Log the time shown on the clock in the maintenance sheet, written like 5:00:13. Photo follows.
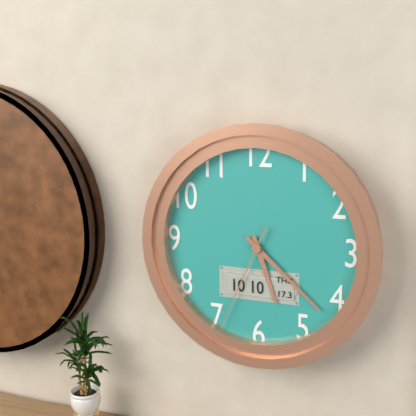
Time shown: 5:22:34
